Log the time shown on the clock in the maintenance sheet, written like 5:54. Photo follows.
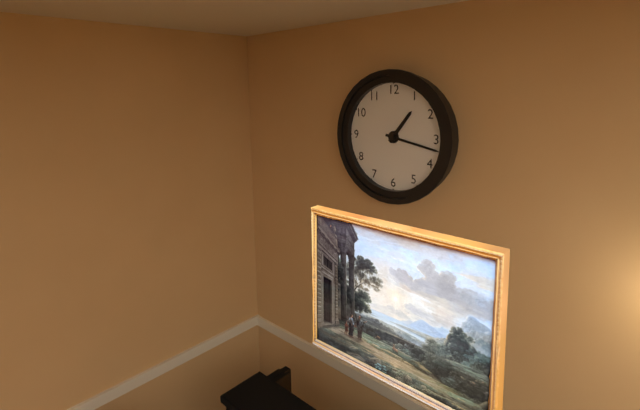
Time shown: 1:17
